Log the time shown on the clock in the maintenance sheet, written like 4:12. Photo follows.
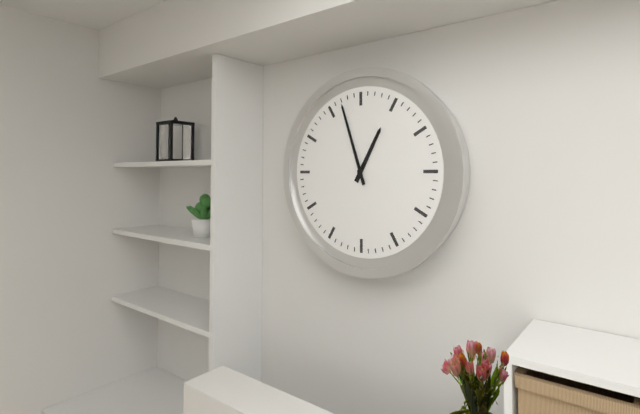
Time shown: 12:57
